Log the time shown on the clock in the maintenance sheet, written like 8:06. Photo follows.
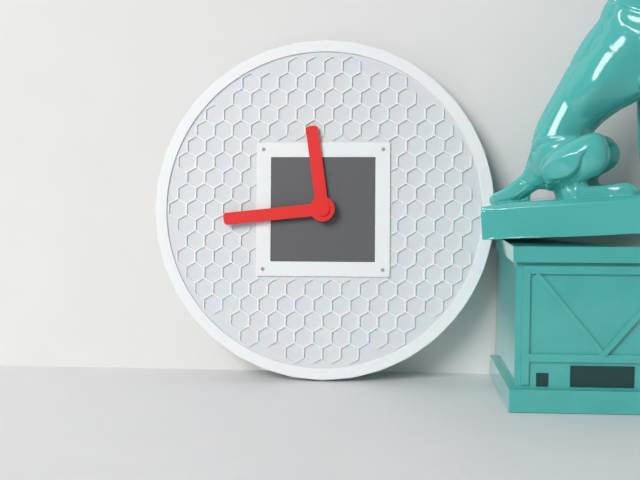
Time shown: 11:44
